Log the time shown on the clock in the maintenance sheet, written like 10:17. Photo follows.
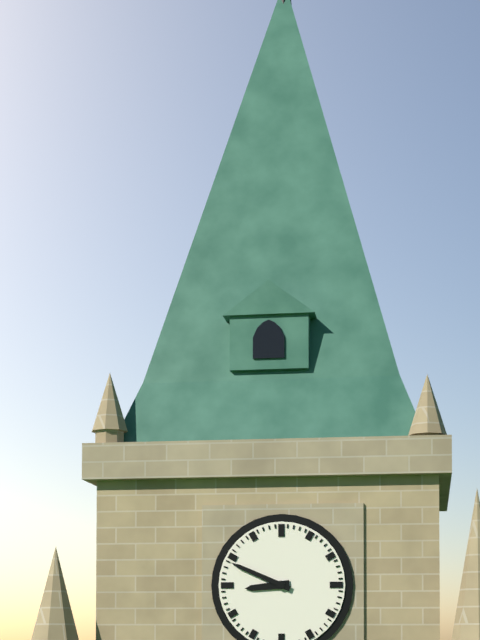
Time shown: 8:49
